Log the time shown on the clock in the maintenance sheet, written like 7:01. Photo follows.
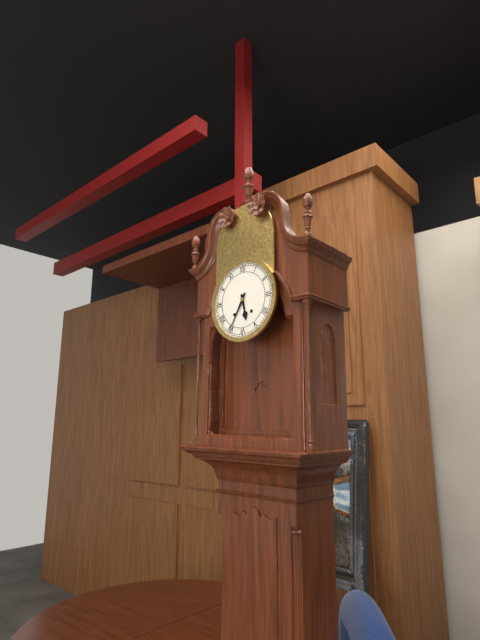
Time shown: 5:35
